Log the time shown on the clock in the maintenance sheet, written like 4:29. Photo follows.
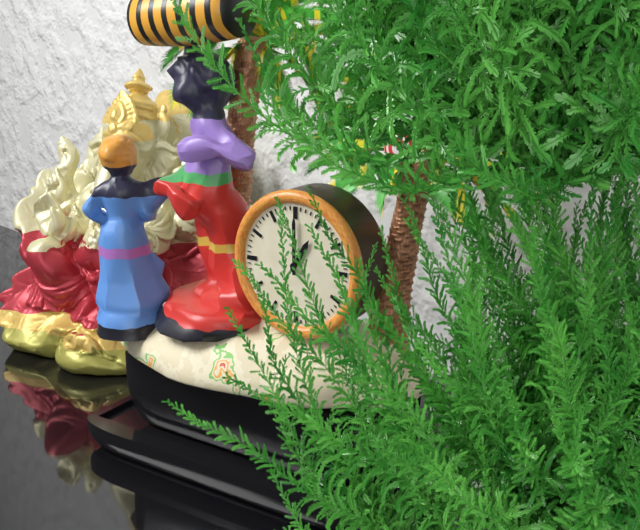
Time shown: 1:00
